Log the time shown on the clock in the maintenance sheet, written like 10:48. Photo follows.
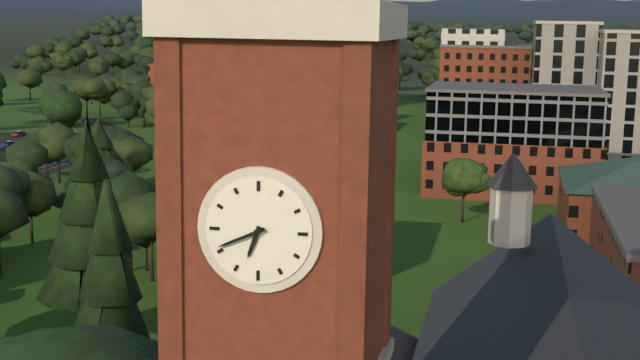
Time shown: 6:41
